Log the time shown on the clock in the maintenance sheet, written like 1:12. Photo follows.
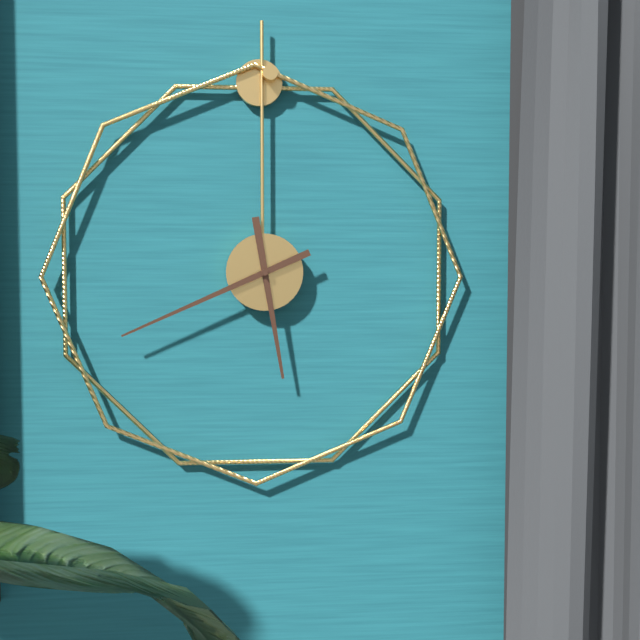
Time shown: 5:41
